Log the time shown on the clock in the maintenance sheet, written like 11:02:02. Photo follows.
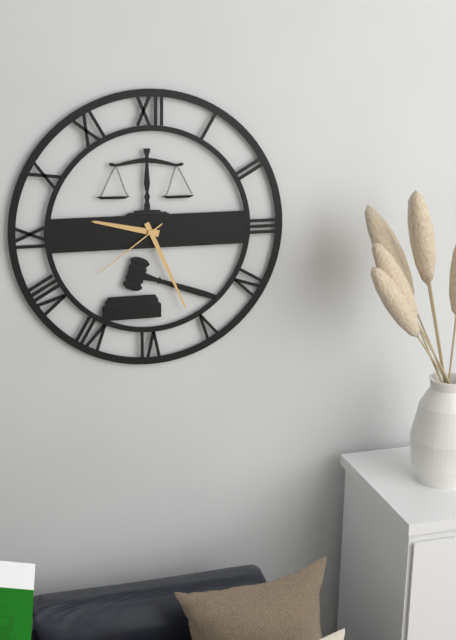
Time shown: 9:26:39
